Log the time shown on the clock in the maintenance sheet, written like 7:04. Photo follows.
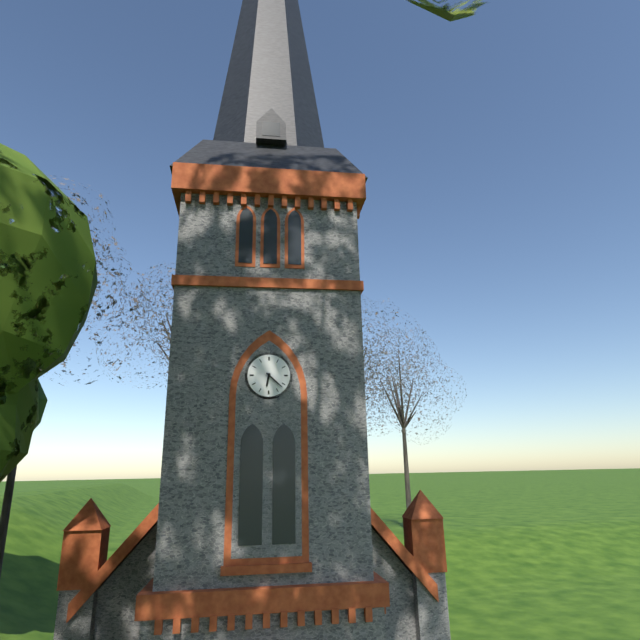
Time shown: 6:22
